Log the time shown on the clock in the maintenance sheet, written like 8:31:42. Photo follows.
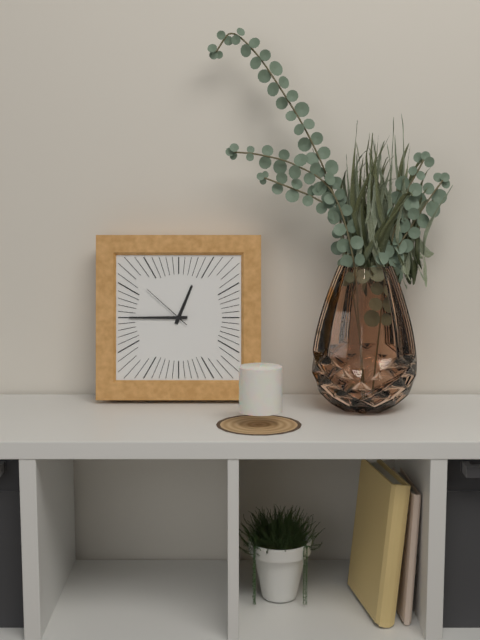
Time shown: 12:45:52
